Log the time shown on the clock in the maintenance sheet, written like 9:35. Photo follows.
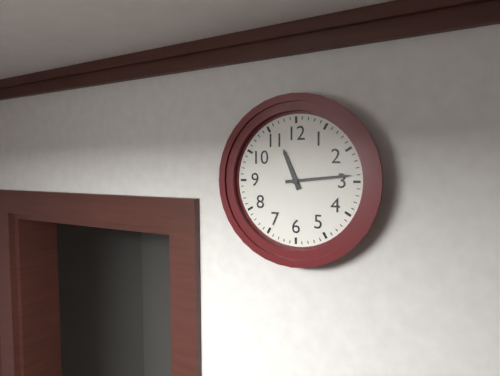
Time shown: 11:14
